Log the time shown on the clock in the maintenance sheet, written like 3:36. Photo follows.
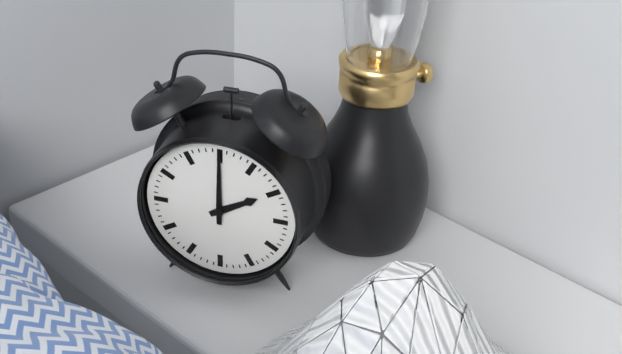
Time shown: 2:00
